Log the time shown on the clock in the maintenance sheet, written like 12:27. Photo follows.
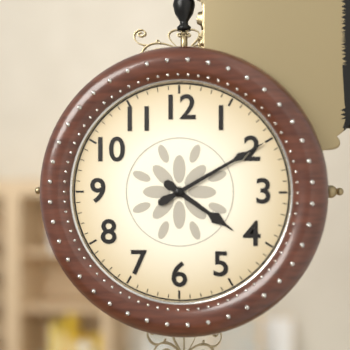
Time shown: 4:10
